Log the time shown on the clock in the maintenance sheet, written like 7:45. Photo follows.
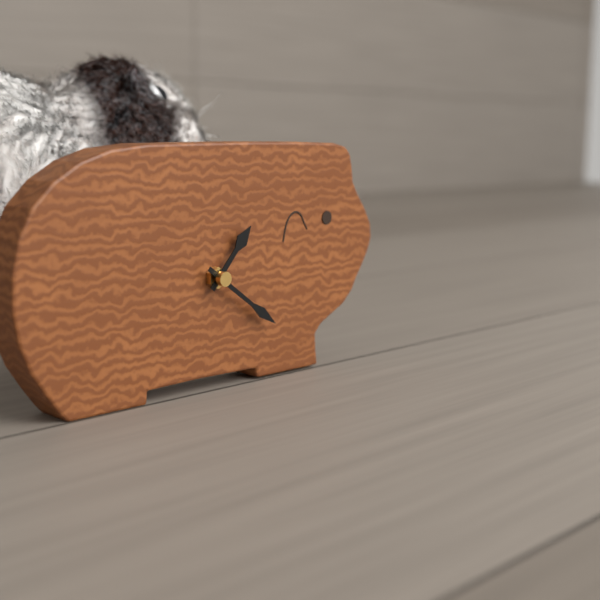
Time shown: 1:21
